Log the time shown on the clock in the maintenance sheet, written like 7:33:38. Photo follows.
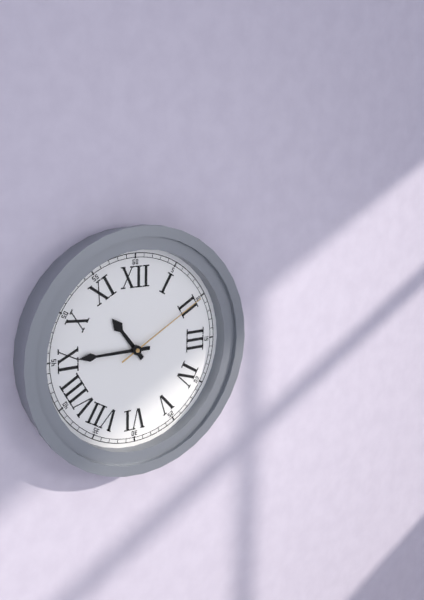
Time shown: 10:45:10
